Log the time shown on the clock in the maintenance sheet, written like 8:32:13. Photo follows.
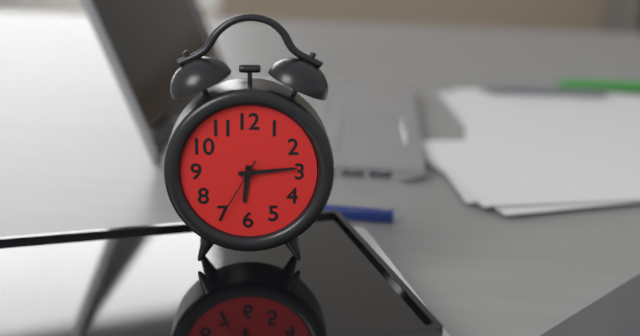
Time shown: 6:14:35
